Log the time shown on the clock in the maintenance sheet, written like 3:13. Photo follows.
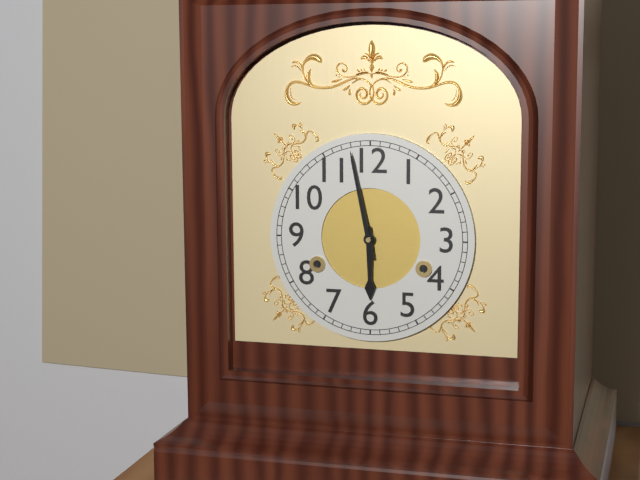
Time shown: 5:58
